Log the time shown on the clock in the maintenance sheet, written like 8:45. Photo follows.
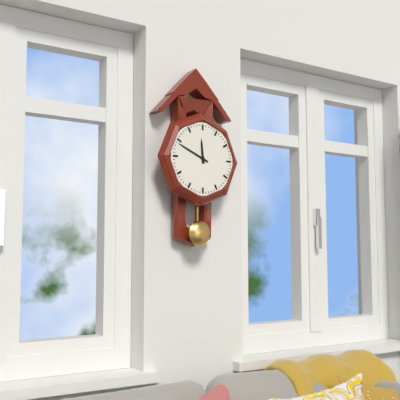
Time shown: 11:49
